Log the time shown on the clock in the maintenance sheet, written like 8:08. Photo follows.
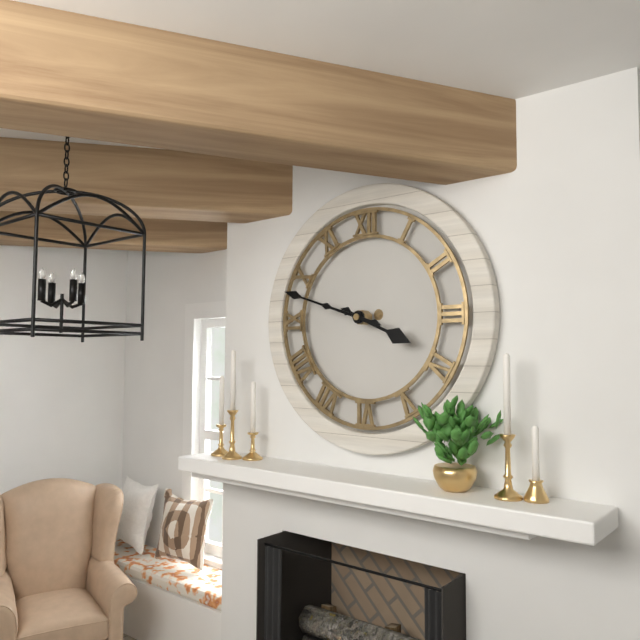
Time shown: 3:48
